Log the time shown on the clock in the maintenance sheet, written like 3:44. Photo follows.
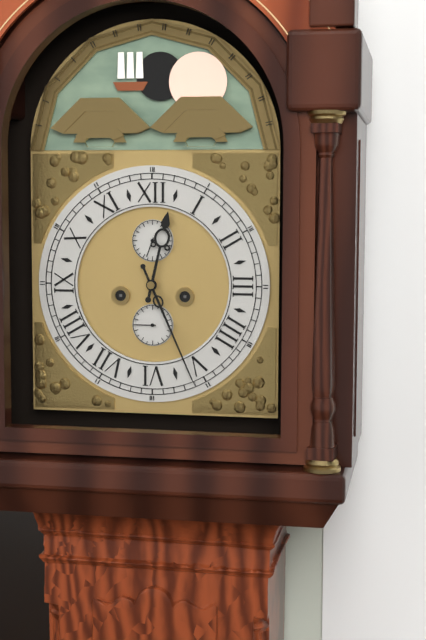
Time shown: 12:26
